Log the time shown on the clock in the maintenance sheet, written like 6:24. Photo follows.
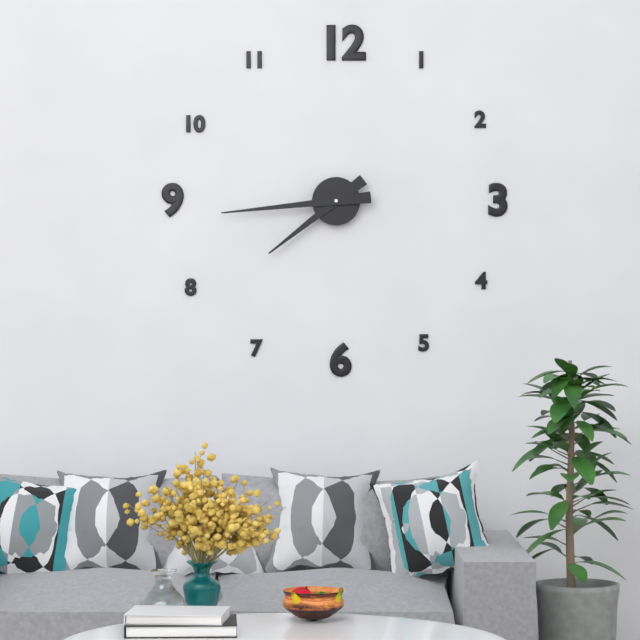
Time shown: 7:44
